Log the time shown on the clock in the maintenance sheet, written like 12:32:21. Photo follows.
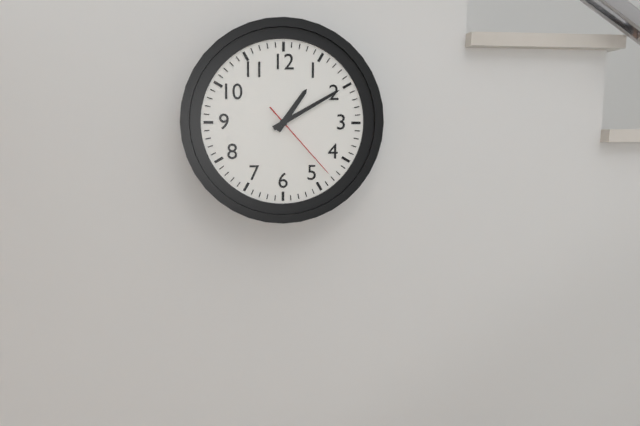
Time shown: 1:10:23
